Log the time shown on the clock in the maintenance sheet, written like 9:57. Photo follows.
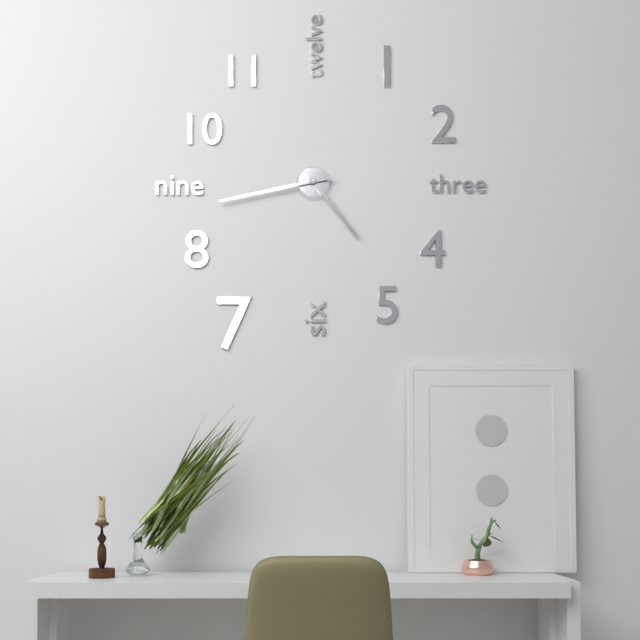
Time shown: 4:43
